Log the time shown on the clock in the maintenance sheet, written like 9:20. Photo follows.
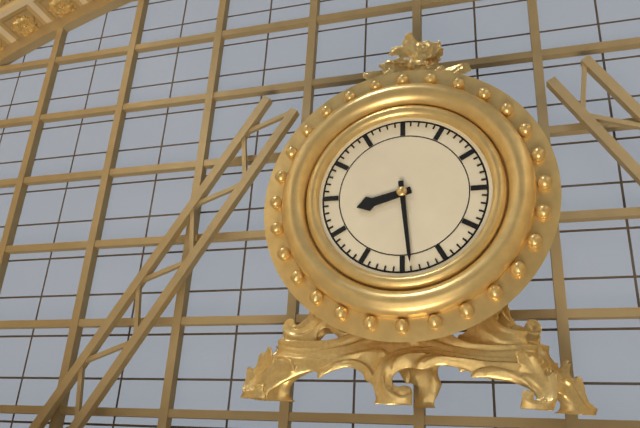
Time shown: 8:29
